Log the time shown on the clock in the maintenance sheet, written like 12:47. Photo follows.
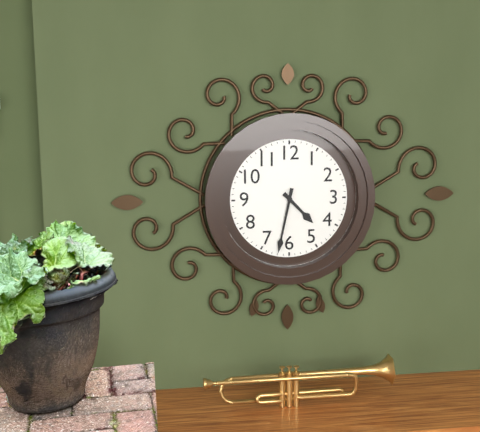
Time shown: 4:32
